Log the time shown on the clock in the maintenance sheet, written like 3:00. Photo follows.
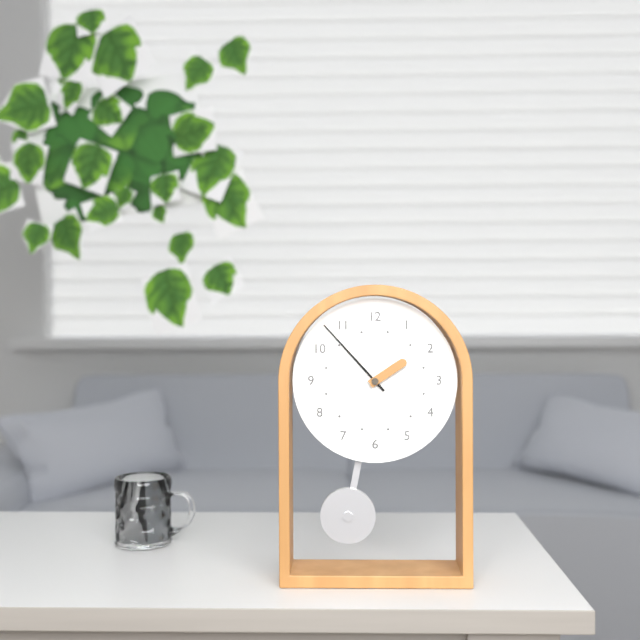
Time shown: 1:53
